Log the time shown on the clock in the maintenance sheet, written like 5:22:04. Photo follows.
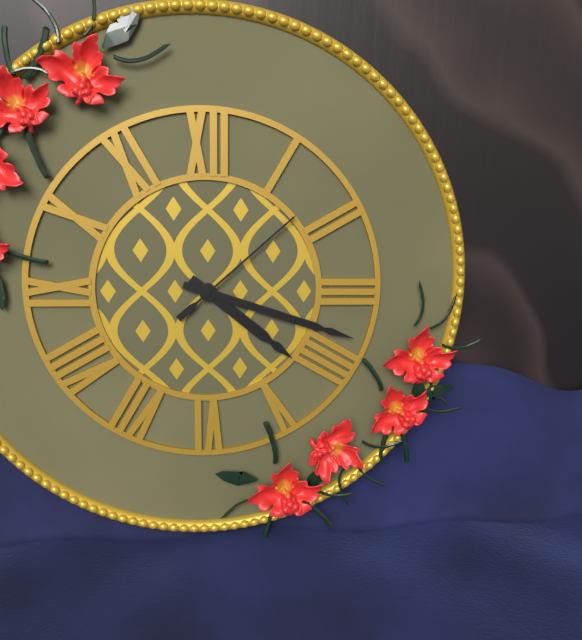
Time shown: 4:18:08
